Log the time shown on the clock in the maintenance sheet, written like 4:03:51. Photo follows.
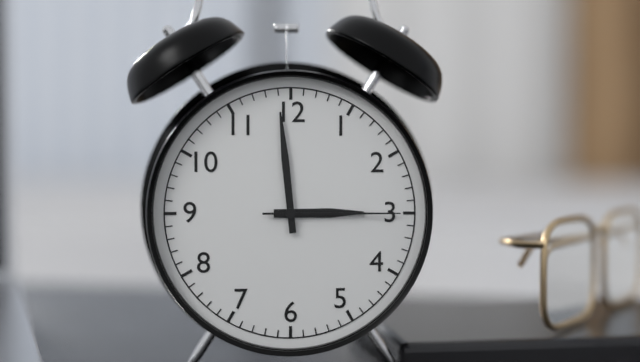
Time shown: 2:59:15
